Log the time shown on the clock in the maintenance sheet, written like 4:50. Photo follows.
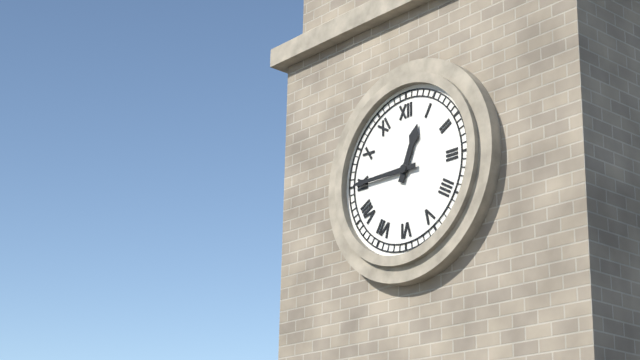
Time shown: 12:45
